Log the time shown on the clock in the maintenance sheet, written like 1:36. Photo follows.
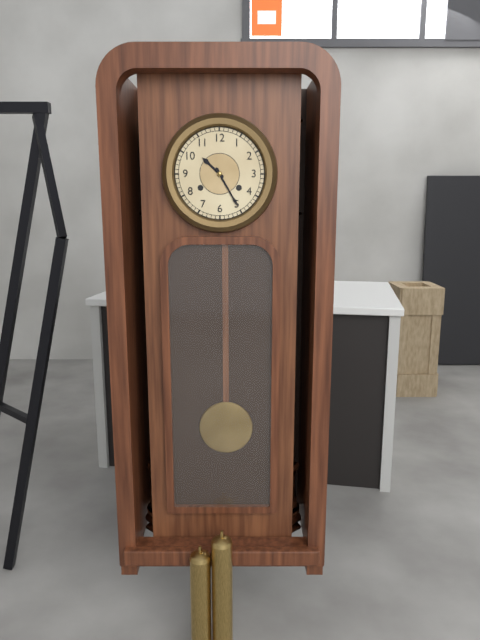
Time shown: 10:25
